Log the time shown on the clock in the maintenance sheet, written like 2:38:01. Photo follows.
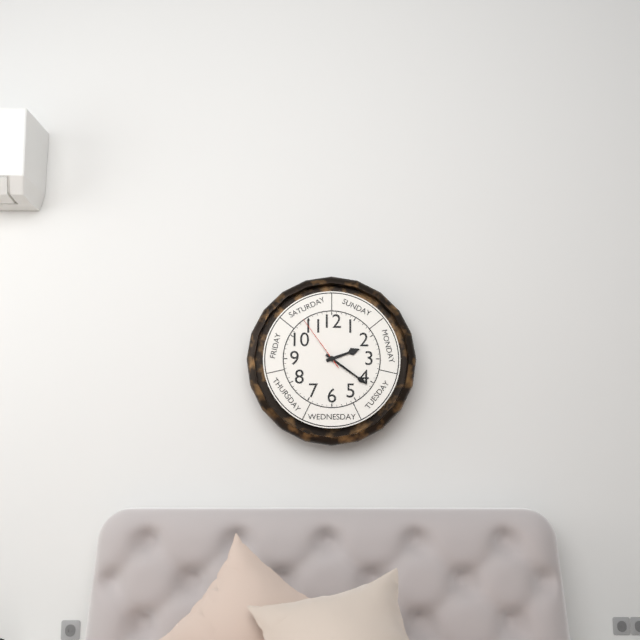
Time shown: 2:21:54
